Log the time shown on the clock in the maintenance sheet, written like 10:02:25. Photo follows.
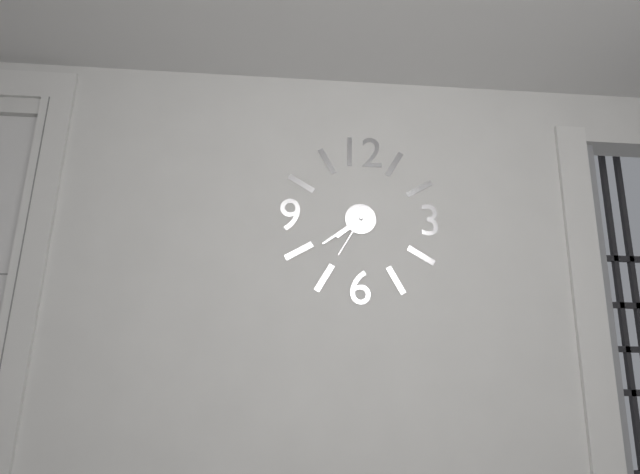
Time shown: 7:39:35
